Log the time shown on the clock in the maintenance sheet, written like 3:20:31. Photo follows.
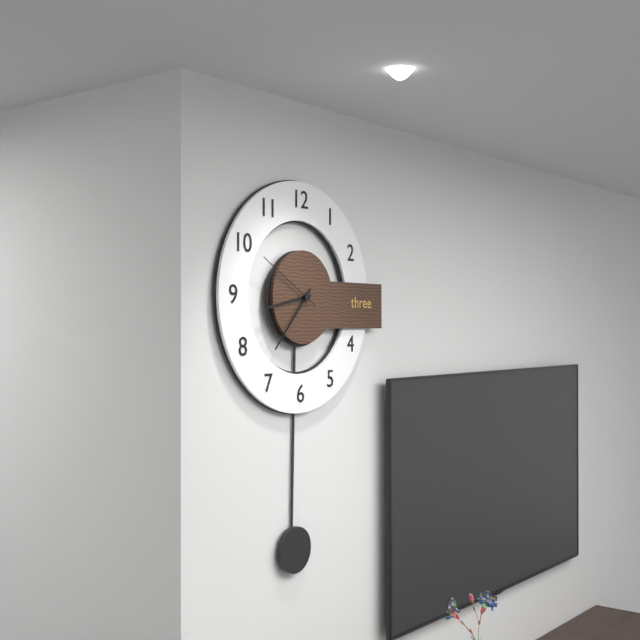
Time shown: 8:37:50
